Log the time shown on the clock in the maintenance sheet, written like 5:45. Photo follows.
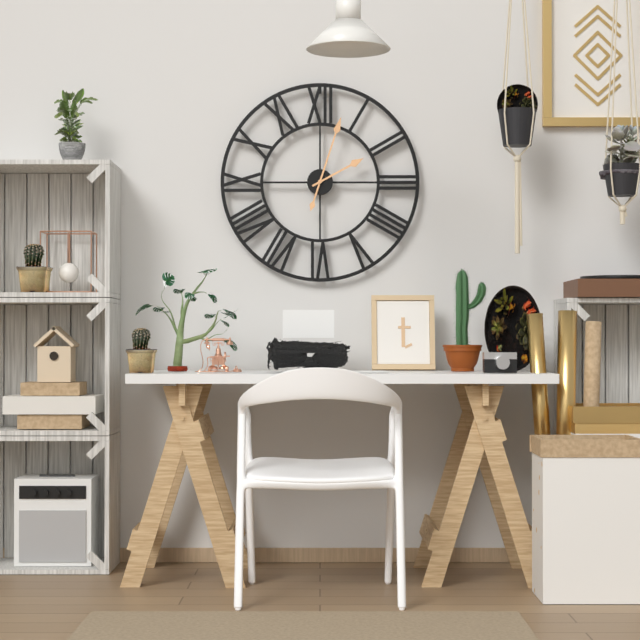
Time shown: 2:03
